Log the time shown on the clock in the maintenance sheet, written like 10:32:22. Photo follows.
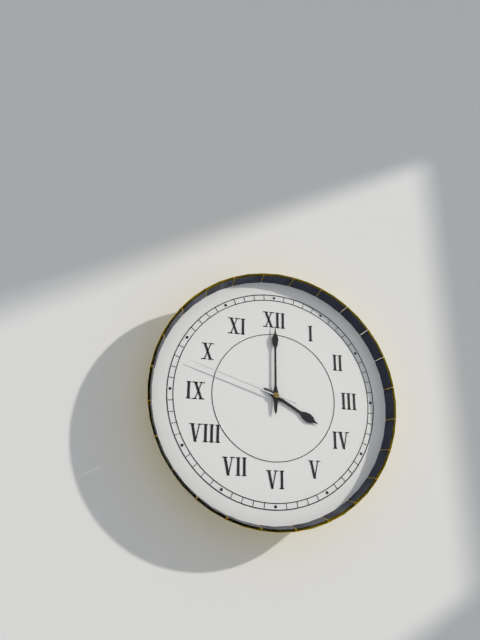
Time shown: 4:00:48
